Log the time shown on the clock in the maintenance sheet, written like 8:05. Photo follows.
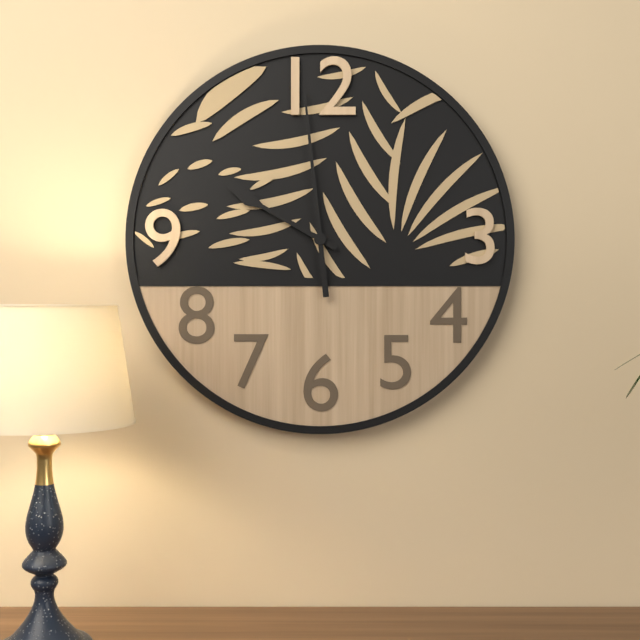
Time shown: 9:59
